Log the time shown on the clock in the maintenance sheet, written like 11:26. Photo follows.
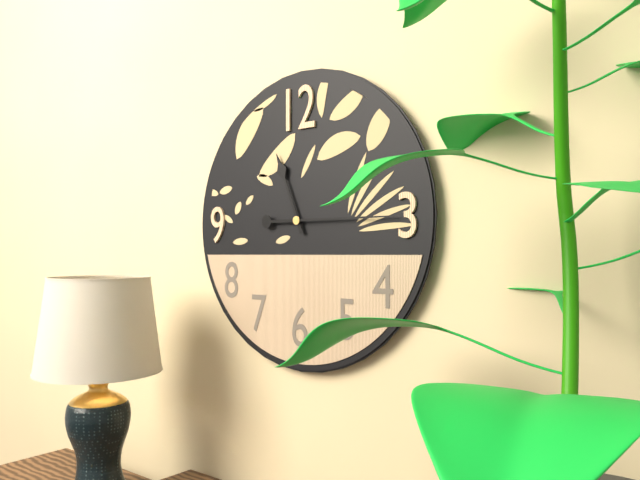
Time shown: 11:15
